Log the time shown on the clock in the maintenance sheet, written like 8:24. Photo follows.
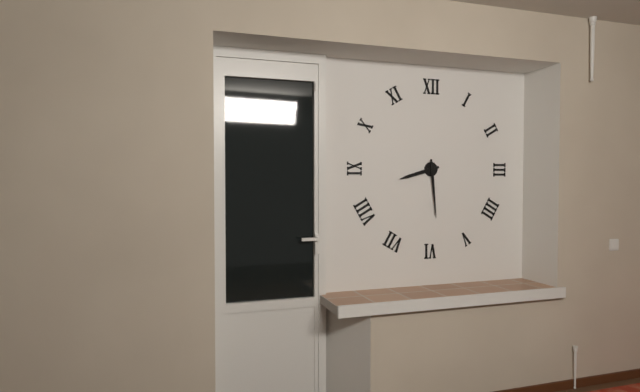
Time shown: 8:29
